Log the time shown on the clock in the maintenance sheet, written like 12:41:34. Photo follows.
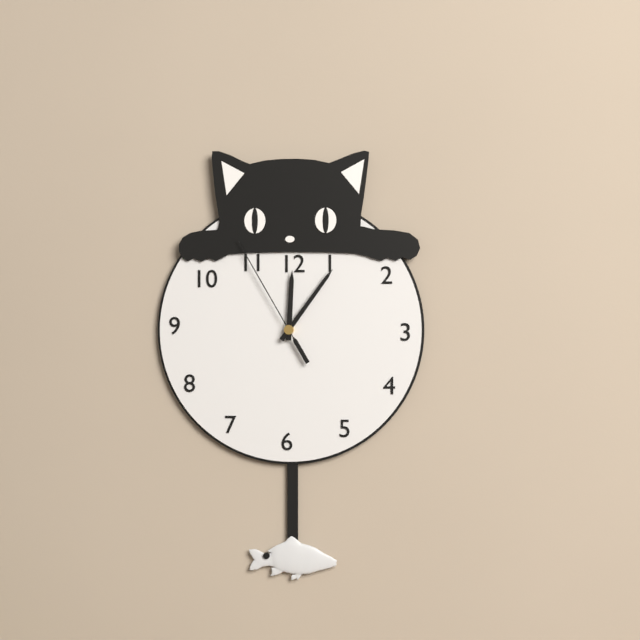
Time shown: 12:06:55
